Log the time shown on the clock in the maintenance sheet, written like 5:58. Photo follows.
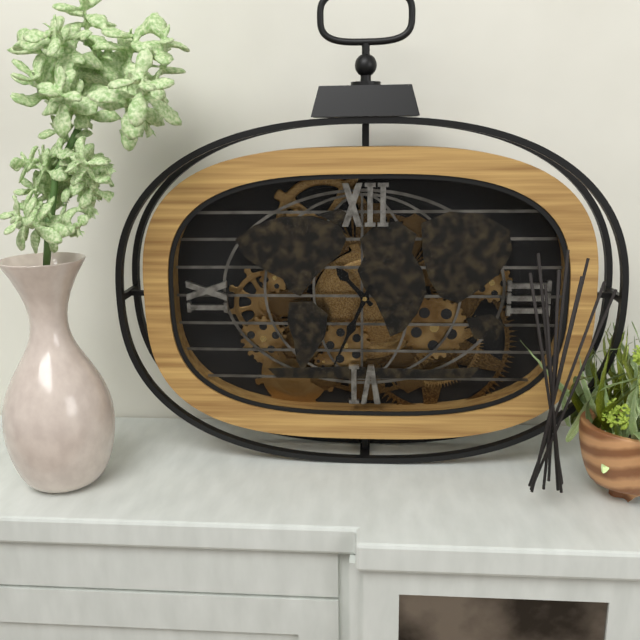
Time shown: 10:34
